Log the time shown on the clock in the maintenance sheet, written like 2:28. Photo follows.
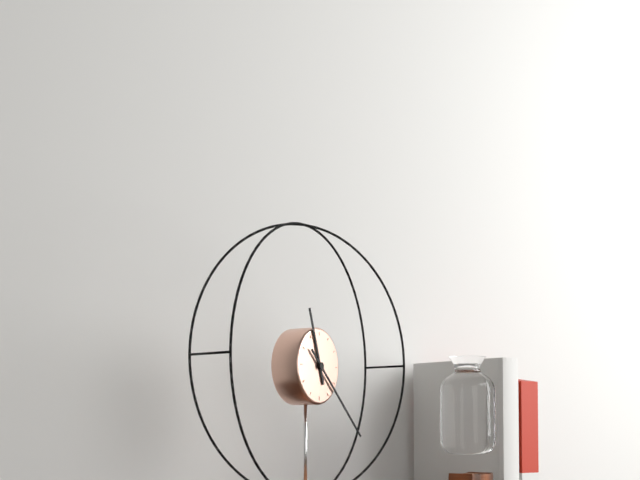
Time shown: 11:22
